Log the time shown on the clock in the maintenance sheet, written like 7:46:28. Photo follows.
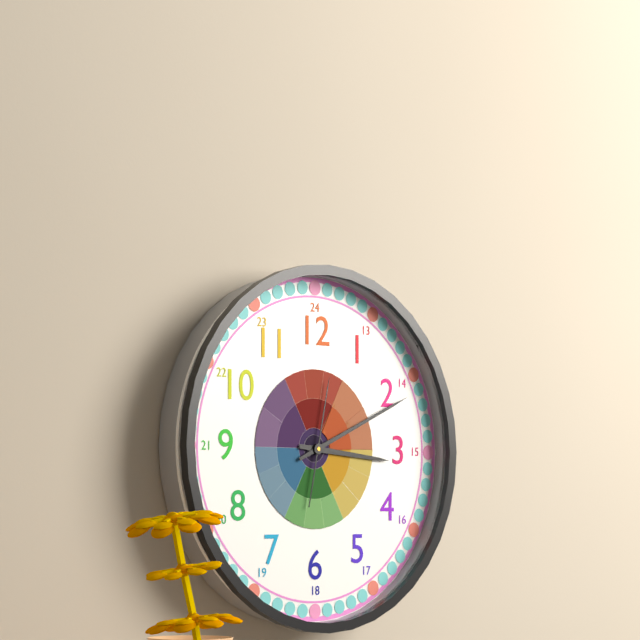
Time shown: 3:11:02
